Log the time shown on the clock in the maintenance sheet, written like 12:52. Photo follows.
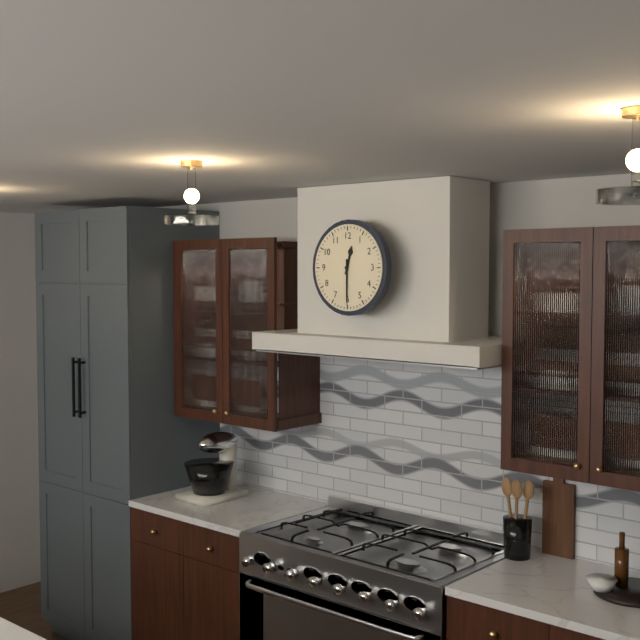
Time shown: 12:30
